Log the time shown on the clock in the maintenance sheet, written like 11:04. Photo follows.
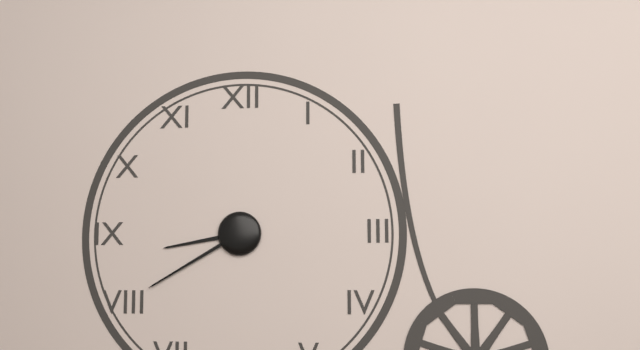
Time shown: 8:40
